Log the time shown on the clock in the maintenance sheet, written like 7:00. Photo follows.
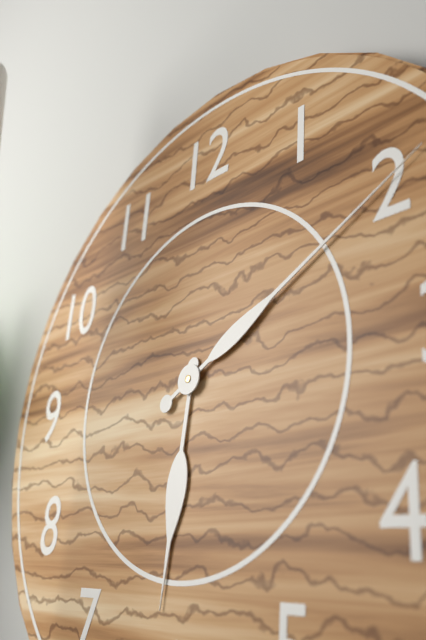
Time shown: 6:10
